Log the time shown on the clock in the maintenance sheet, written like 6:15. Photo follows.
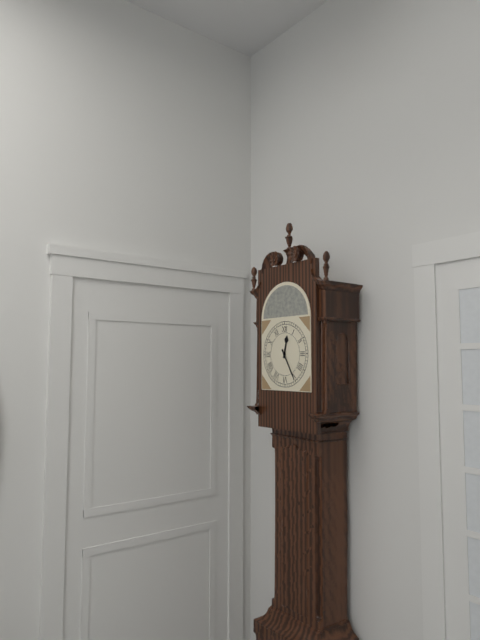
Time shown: 12:25
